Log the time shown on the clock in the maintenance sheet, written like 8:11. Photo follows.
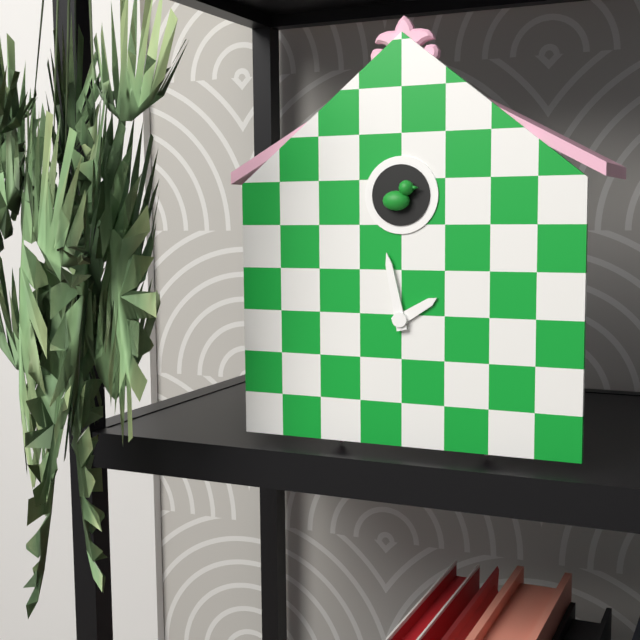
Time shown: 1:58
